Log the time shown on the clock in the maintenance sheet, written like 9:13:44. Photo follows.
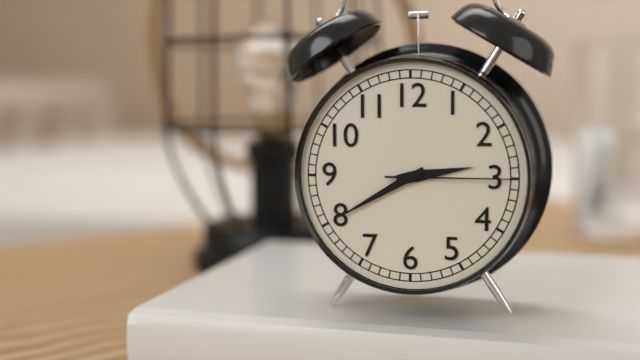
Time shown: 2:40:15
